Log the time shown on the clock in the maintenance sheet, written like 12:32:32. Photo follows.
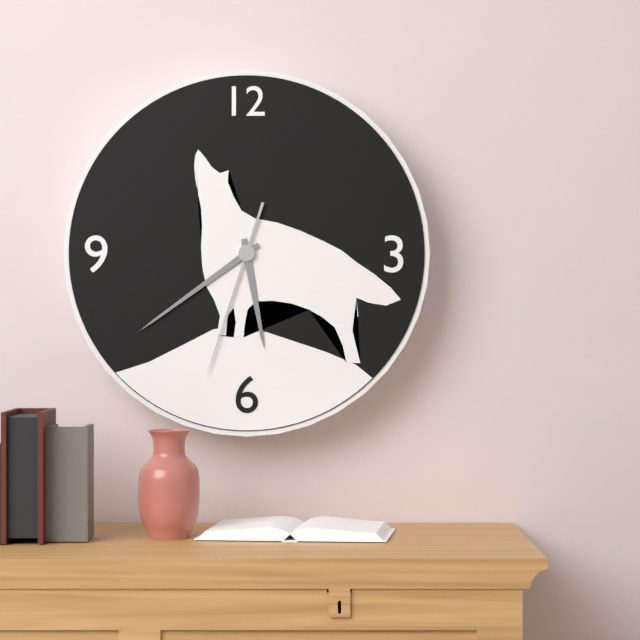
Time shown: 5:39:33
